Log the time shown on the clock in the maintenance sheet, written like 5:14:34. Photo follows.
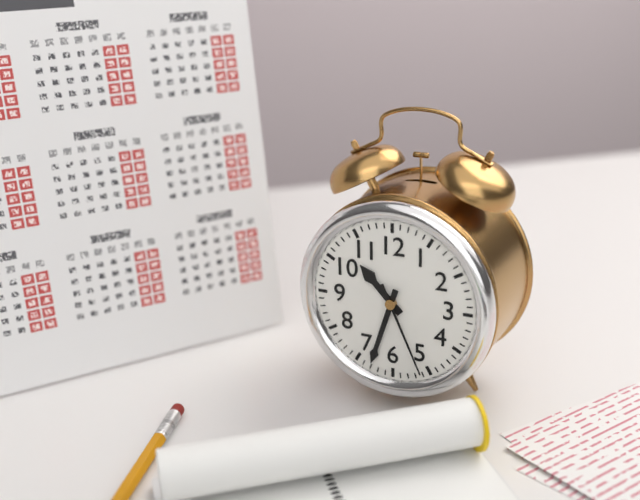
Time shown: 10:33:26
